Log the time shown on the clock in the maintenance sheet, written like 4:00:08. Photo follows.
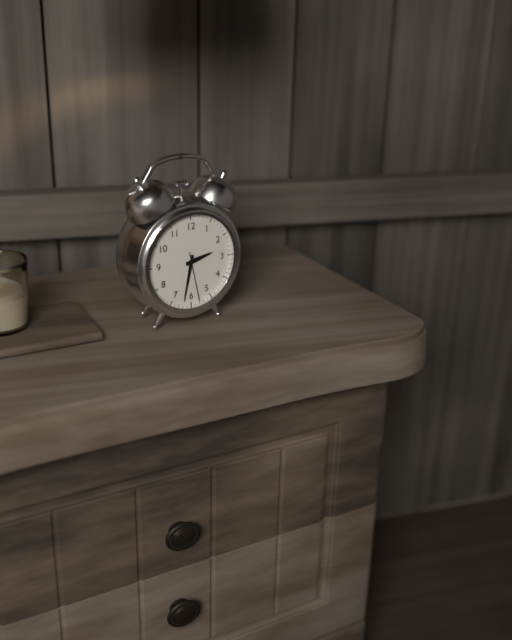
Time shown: 2:32:28
